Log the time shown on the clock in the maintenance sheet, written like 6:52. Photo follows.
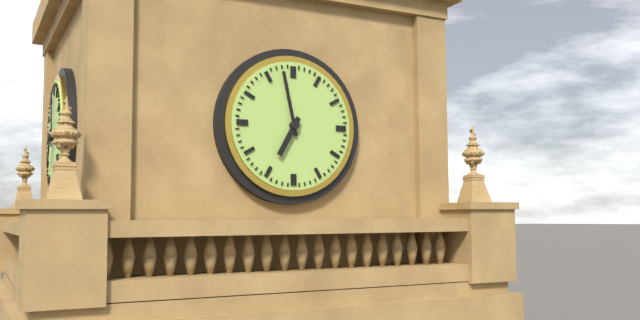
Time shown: 6:58
